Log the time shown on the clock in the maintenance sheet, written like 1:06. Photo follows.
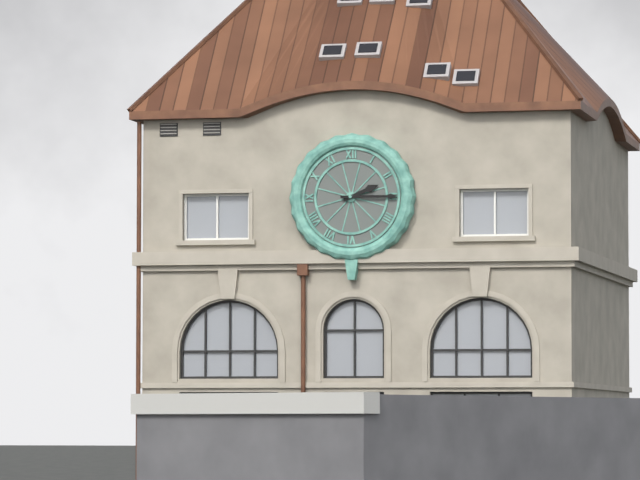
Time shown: 2:15
